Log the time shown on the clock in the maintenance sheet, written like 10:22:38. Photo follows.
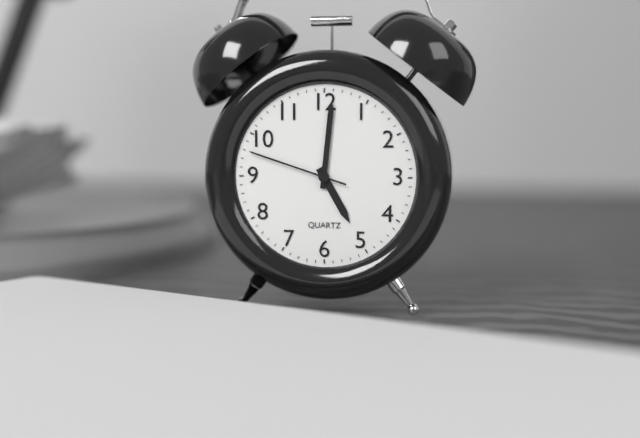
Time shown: 5:01:48
